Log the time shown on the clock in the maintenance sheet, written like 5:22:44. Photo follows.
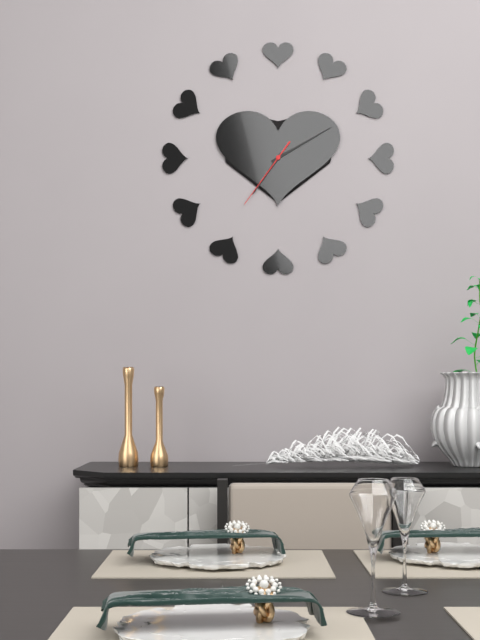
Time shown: 7:10:36
